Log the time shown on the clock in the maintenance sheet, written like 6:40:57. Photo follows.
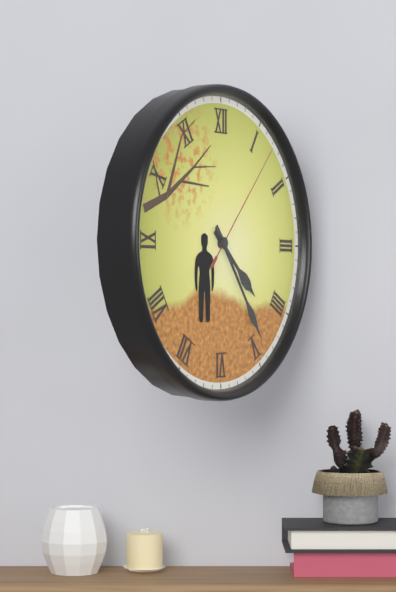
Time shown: 4:24:07
